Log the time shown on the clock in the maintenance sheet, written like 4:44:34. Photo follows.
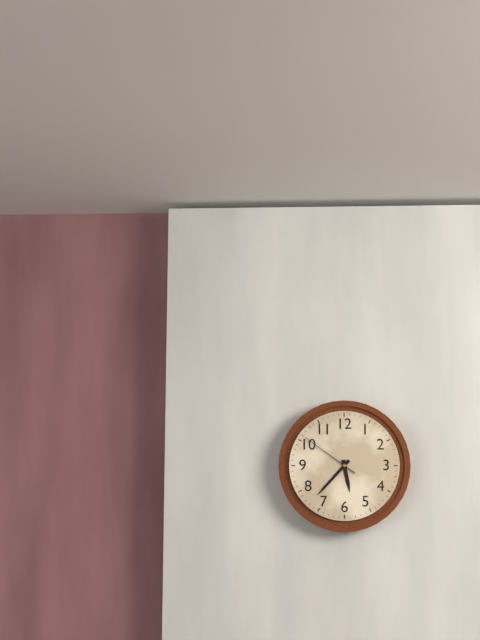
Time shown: 5:37:51
